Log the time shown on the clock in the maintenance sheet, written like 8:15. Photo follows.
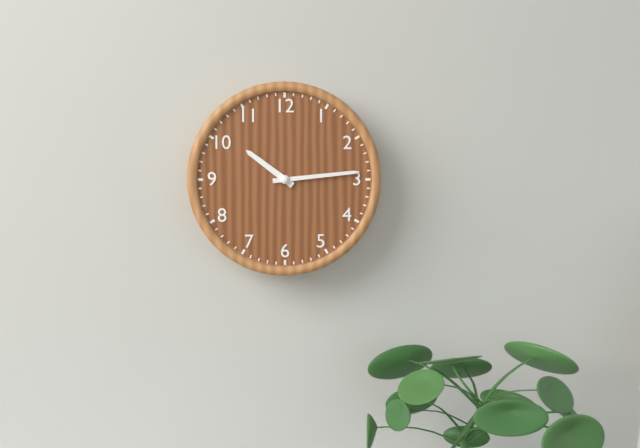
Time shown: 10:14
